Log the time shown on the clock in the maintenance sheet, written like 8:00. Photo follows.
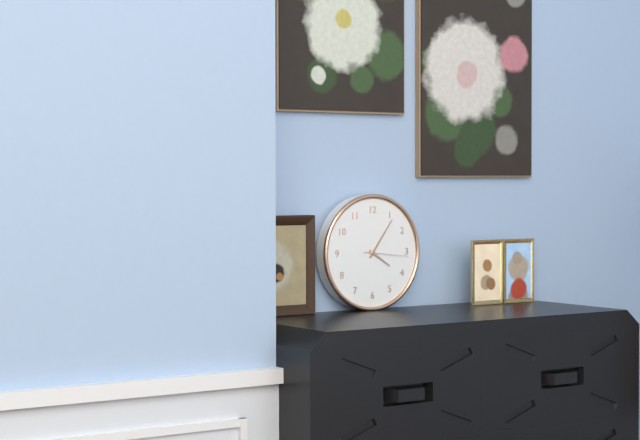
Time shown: 4:06
